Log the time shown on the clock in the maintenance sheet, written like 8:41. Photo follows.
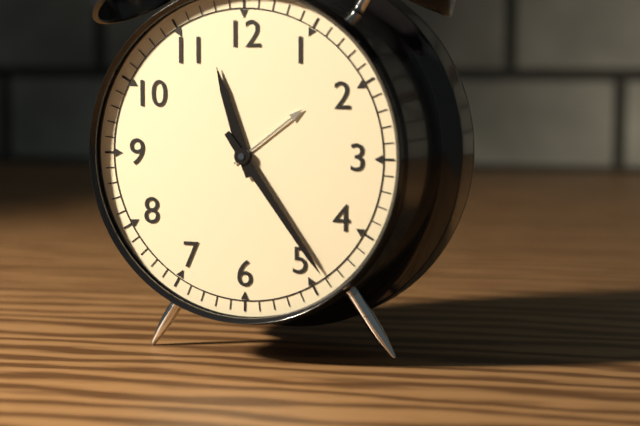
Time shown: 11:24
